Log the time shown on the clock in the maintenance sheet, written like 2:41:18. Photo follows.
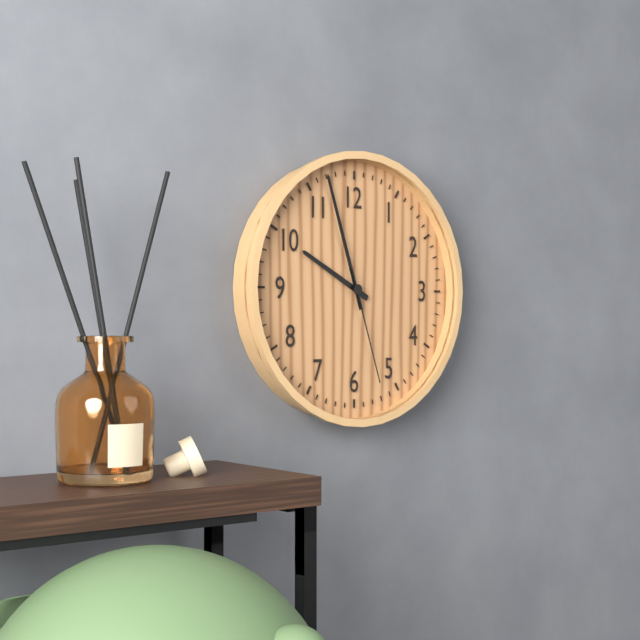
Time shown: 9:57:27
